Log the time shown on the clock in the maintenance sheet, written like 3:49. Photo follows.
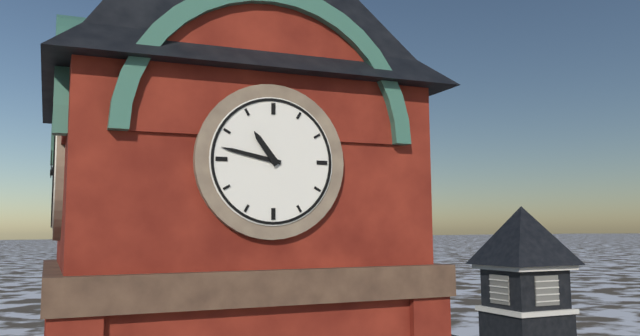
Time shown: 10:47
